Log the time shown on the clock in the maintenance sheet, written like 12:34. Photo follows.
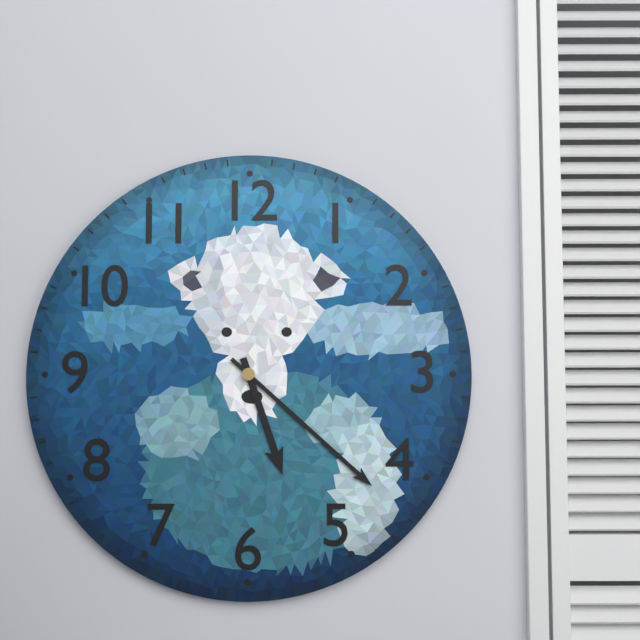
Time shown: 5:22
